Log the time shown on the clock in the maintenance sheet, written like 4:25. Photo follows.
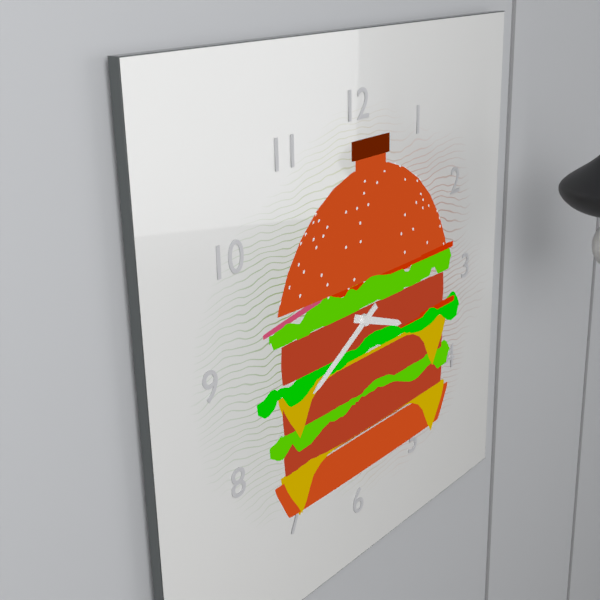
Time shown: 3:40
